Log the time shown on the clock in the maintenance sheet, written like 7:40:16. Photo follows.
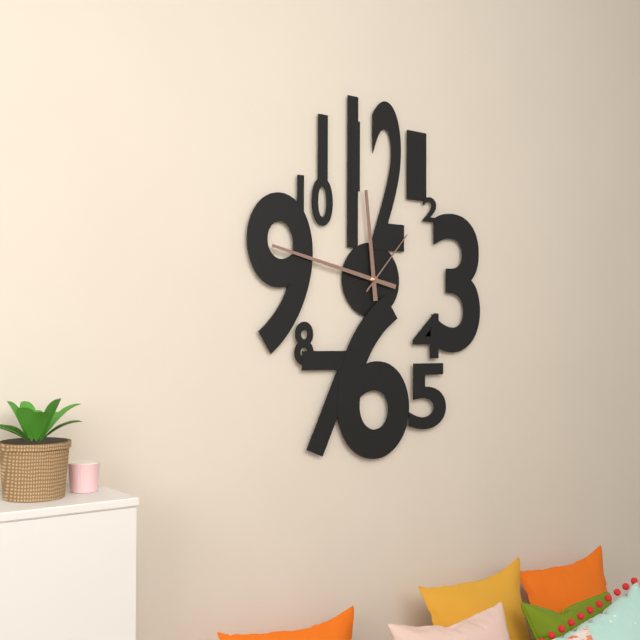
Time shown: 11:47:07
